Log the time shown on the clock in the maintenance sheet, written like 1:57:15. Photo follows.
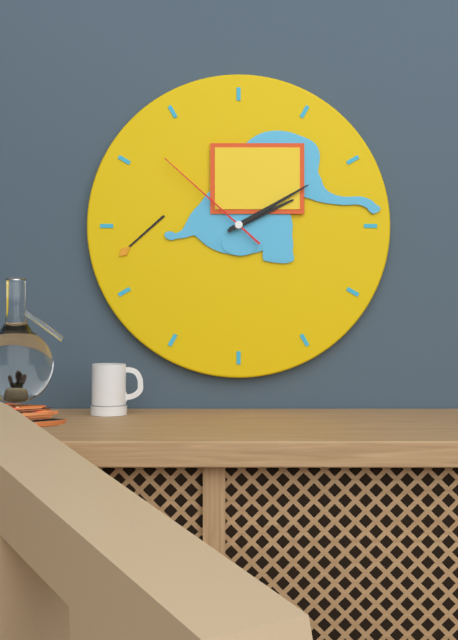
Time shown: 2:10:52
